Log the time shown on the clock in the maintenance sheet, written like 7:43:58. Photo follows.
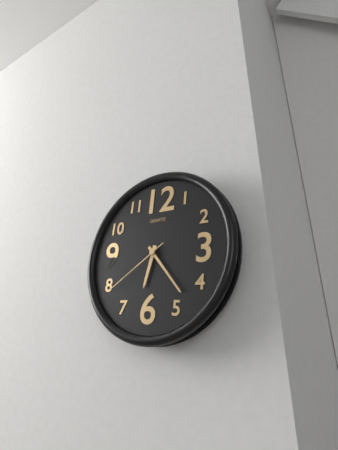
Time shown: 6:23:39
